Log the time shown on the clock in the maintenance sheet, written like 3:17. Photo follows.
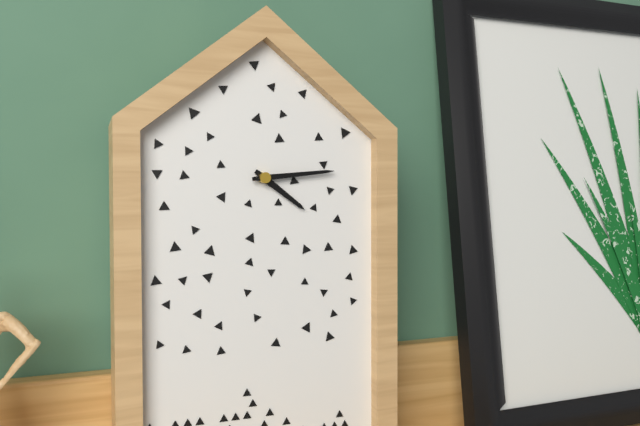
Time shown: 4:14
